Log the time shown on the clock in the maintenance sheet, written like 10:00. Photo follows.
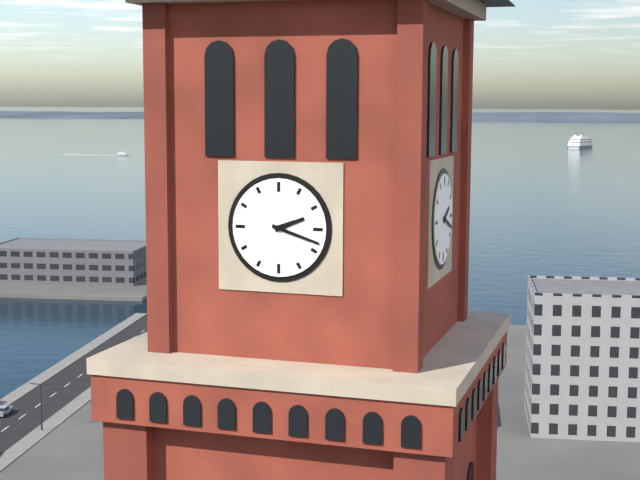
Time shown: 2:18
